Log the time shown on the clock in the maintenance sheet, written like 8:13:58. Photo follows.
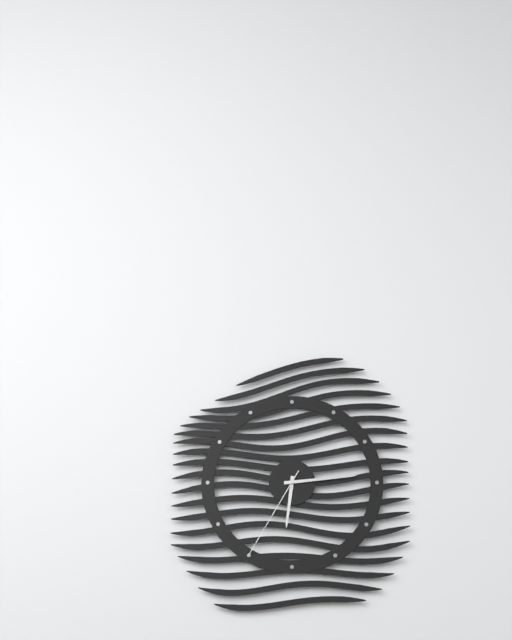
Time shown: 6:14:35
